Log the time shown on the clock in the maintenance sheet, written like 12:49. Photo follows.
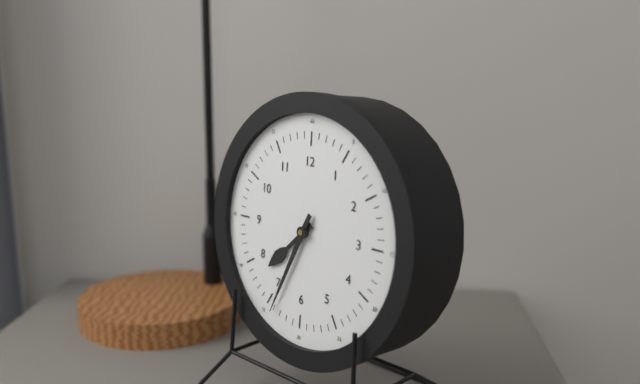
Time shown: 7:34
